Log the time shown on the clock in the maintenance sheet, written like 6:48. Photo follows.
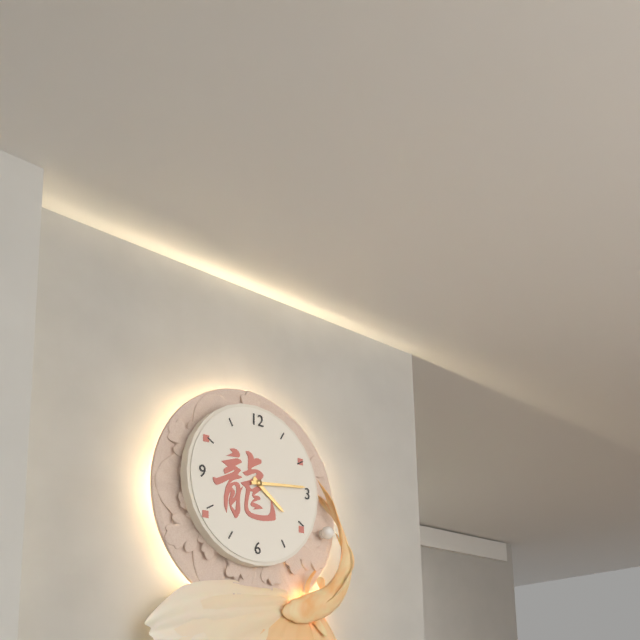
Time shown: 4:14
